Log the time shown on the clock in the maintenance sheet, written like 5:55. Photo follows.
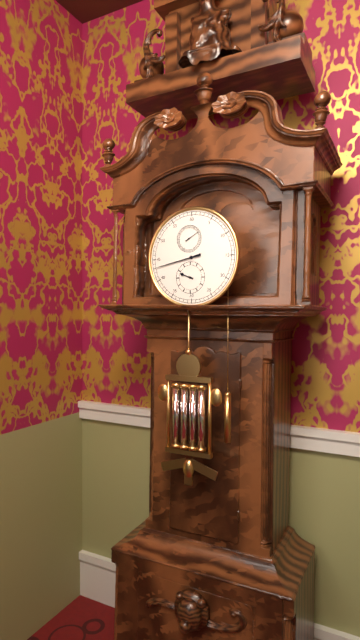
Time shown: 9:43
